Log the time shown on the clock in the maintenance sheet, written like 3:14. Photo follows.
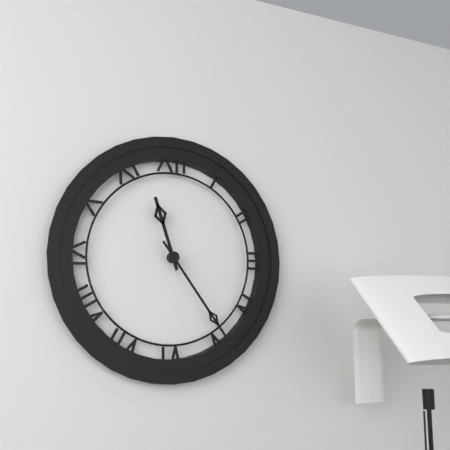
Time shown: 11:24
